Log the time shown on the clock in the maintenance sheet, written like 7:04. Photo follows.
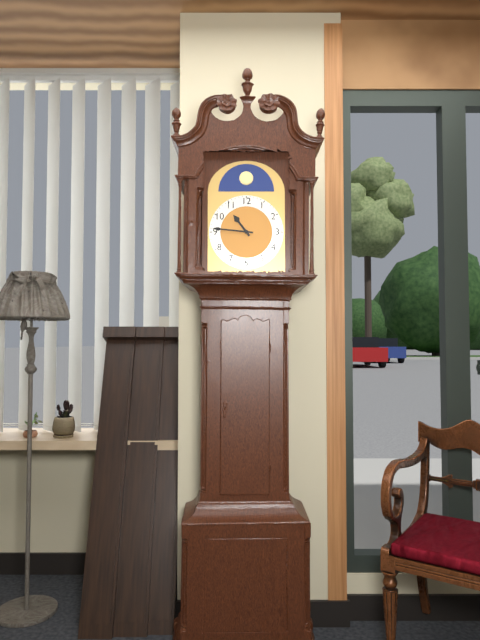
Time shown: 10:46
